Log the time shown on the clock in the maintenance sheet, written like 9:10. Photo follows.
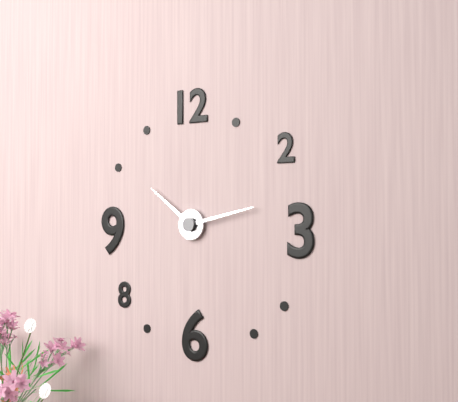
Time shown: 10:13
